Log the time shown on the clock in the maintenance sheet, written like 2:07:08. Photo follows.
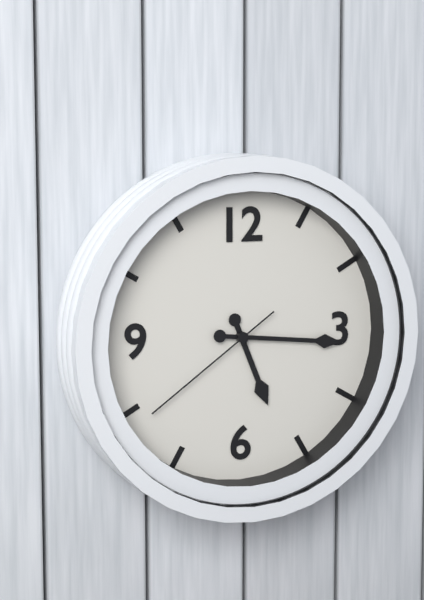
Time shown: 5:16:39
